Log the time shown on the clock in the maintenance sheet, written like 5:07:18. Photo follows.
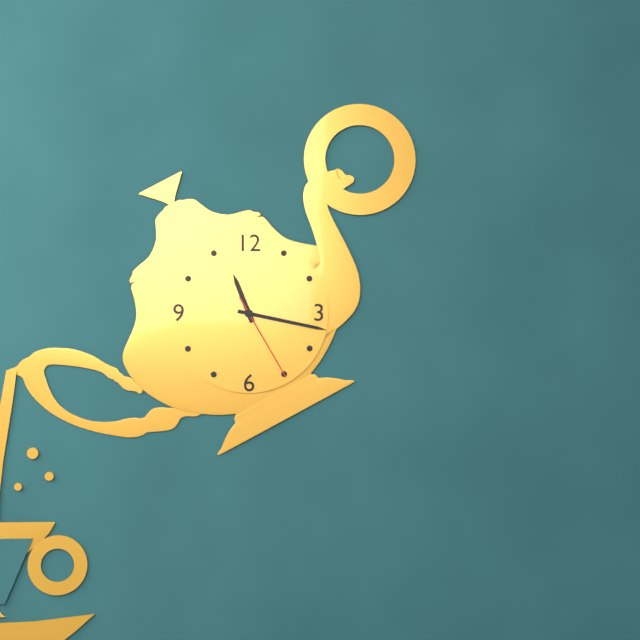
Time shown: 11:17:25
